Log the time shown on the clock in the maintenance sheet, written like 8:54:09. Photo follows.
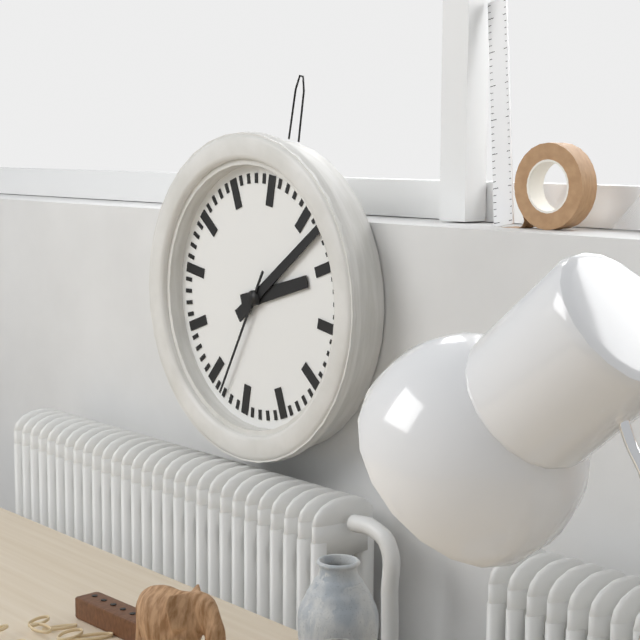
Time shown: 2:07:33
